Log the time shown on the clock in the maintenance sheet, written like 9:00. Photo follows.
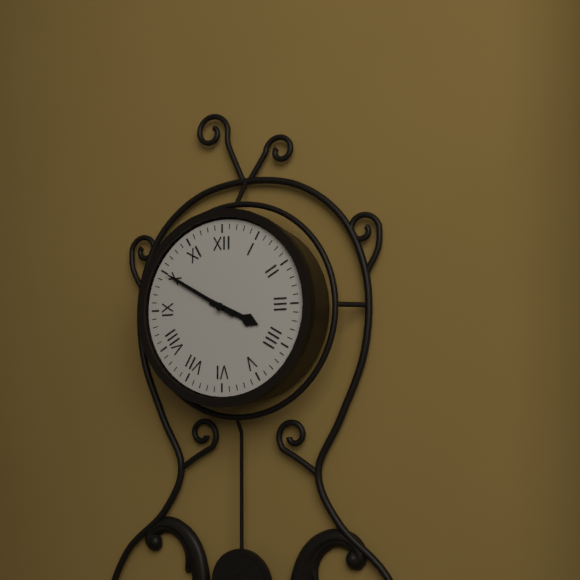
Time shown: 3:50
